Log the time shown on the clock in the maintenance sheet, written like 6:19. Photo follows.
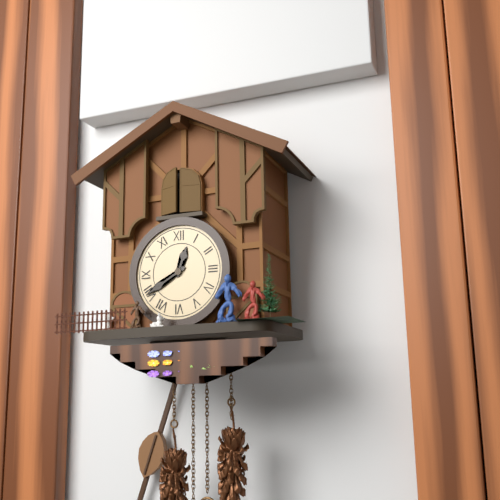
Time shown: 12:40
